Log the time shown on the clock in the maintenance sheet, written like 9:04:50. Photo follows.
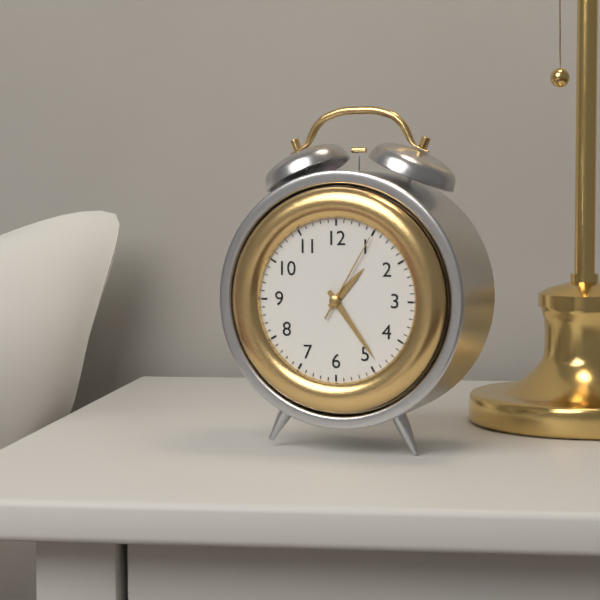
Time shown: 1:24:05
